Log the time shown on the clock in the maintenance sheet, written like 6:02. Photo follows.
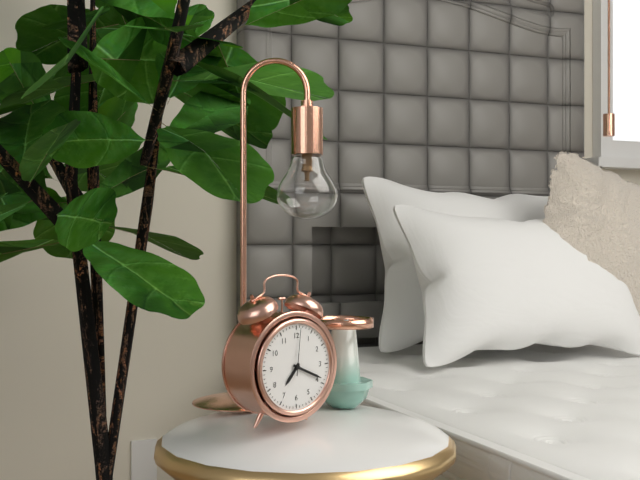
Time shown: 7:19
